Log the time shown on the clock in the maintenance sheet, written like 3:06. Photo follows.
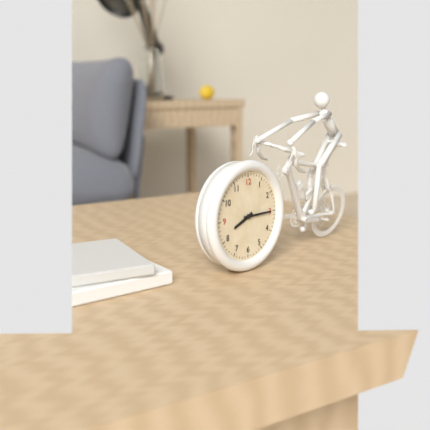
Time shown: 8:15
